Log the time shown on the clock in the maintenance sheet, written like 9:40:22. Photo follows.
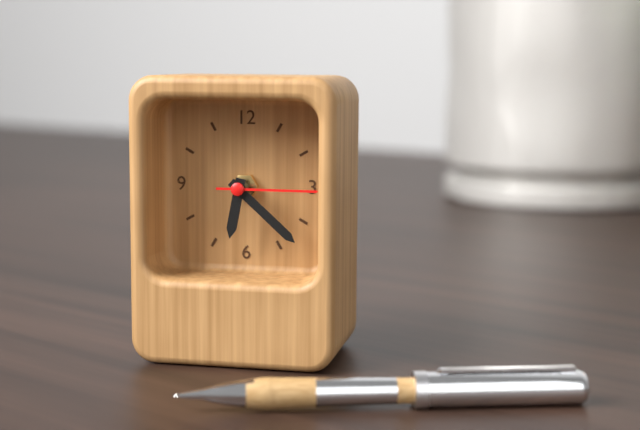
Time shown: 6:22:15
